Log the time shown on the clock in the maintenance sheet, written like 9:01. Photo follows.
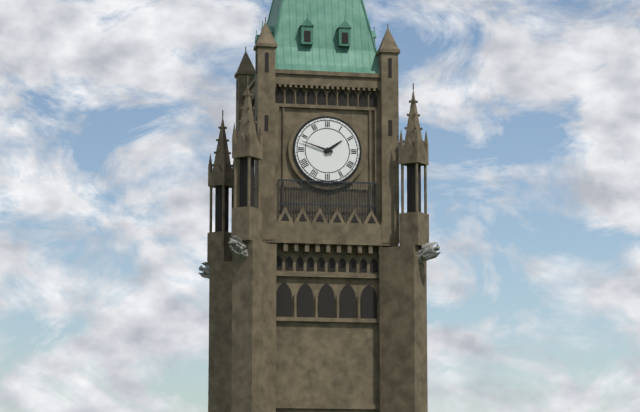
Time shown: 1:48
